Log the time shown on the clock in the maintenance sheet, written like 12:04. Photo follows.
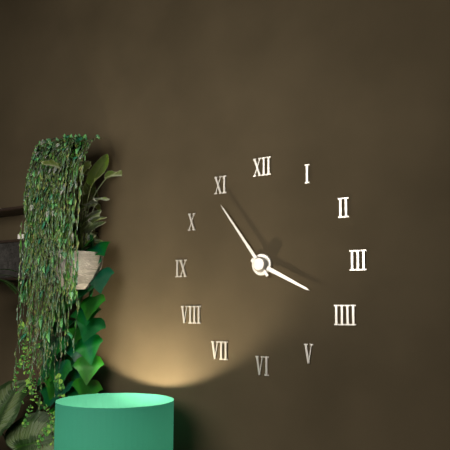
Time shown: 3:54
